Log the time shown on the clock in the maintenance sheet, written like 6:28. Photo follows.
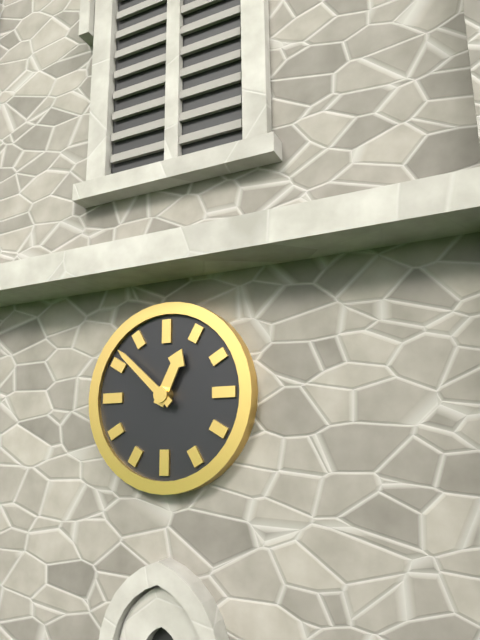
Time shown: 12:52
